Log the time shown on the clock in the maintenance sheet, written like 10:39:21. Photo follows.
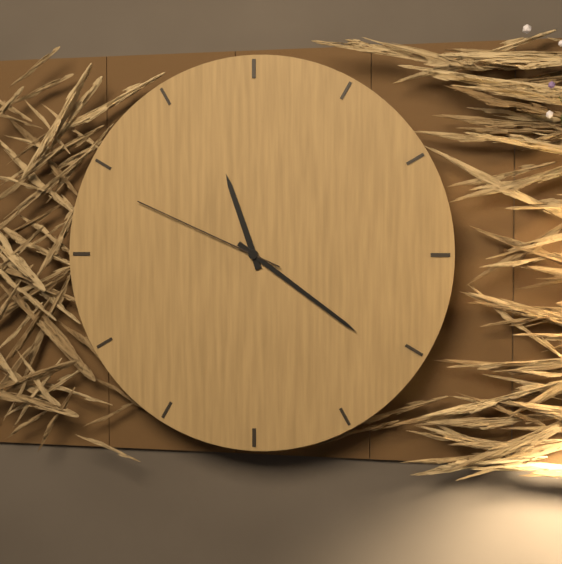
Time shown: 11:21:49
